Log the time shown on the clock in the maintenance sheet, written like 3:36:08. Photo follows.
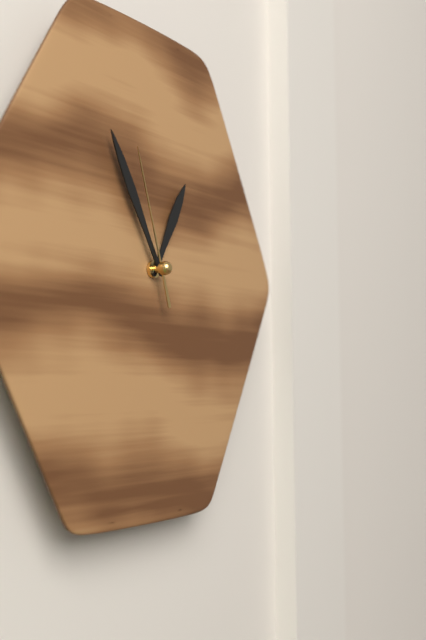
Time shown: 12:55:57
